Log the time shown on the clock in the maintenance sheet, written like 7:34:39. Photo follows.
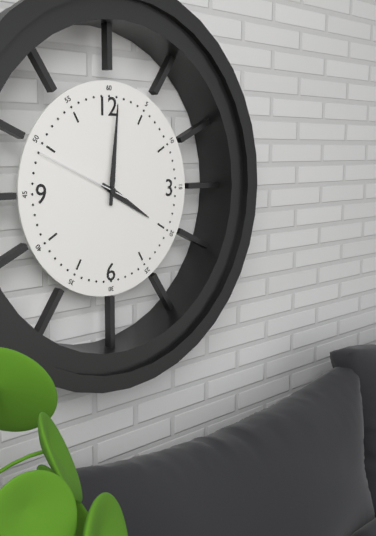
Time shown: 4:01:49
